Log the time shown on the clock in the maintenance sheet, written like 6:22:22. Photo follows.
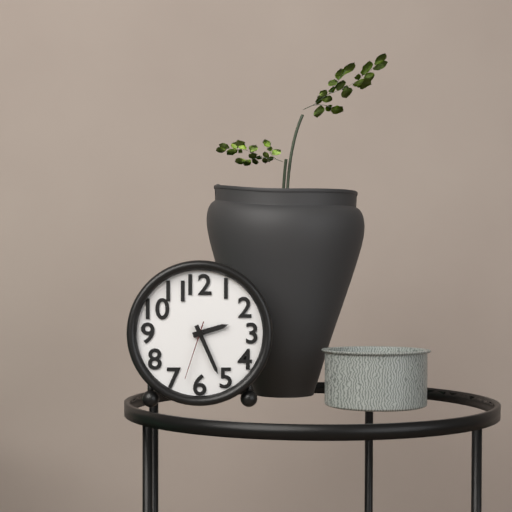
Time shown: 2:26:33
